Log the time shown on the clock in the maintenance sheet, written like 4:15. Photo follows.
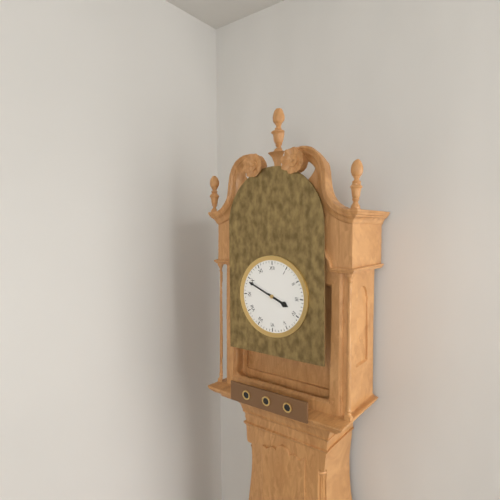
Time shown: 3:49
